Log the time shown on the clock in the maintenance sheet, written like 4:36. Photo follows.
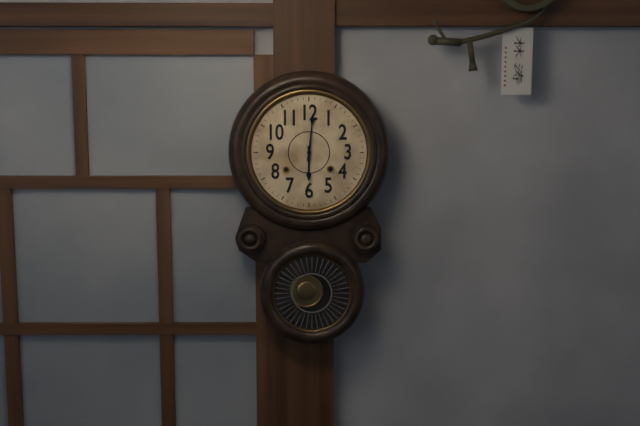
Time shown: 6:01
